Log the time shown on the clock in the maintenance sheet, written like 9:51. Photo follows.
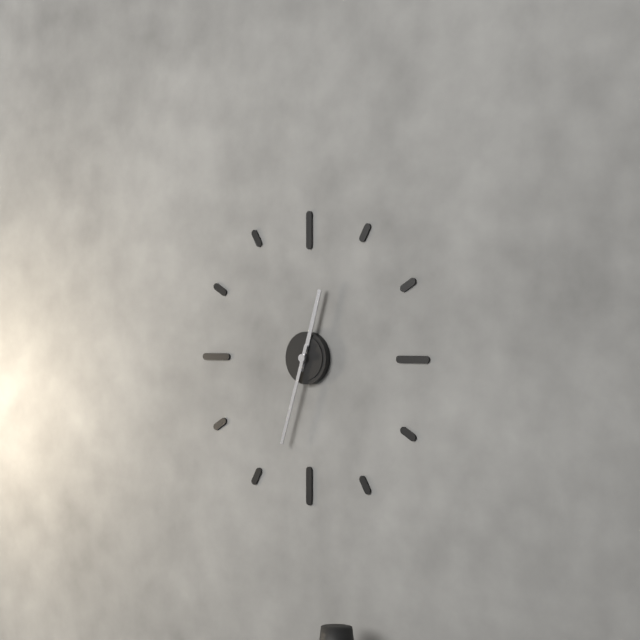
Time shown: 12:33
